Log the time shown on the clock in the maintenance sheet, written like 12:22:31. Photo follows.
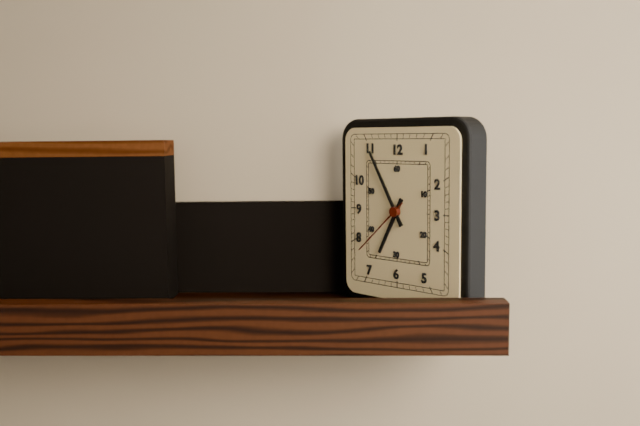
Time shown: 6:55:38
